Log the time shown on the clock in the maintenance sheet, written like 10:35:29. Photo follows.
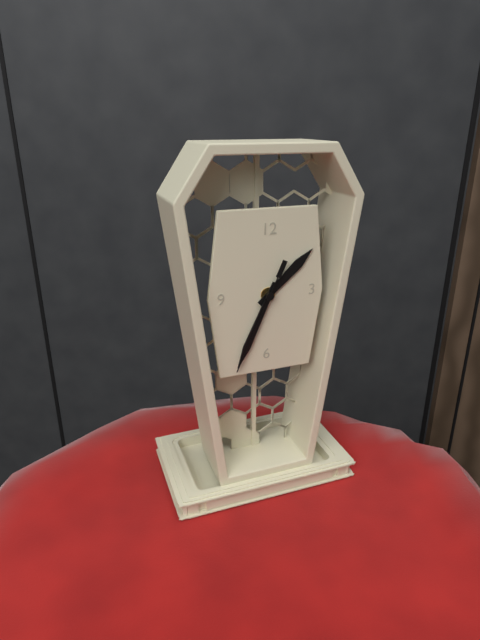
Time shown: 1:34:34
